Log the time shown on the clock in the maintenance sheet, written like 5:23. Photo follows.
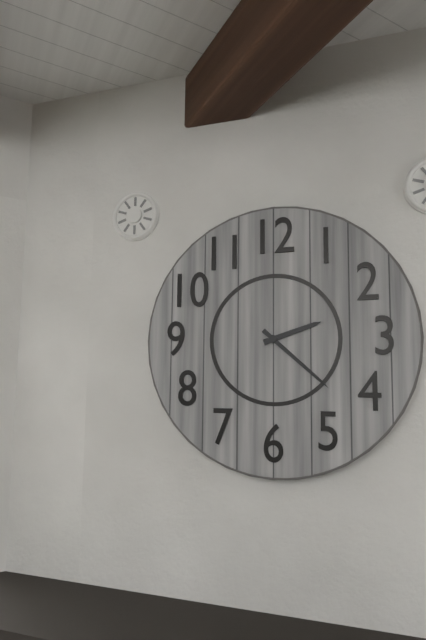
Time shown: 2:22
